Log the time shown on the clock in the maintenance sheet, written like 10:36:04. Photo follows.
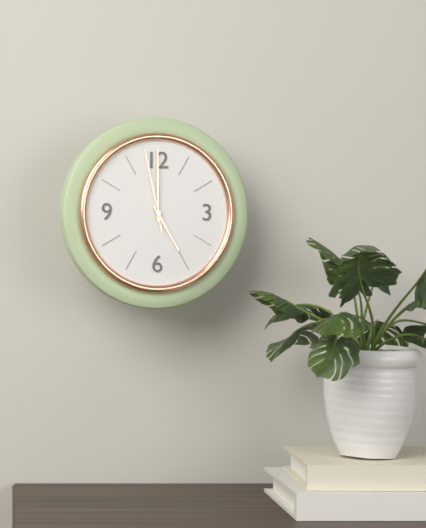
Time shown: 5:00:58
